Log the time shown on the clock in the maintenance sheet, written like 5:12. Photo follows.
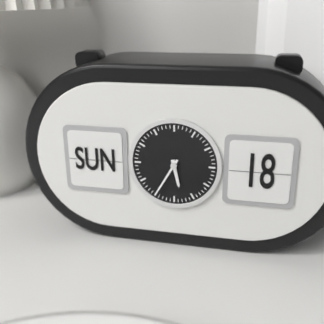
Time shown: 5:35
